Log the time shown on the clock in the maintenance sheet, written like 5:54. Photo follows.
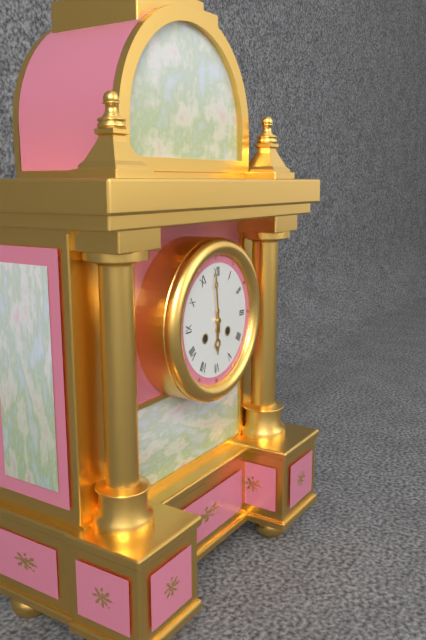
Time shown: 5:59
